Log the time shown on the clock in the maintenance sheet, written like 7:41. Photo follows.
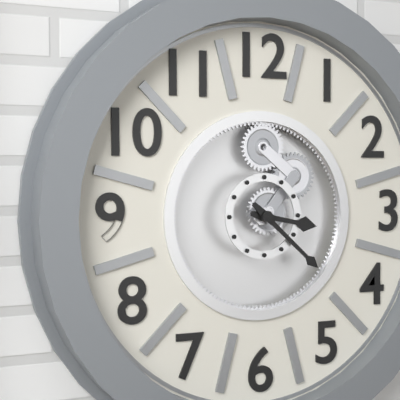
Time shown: 3:22
